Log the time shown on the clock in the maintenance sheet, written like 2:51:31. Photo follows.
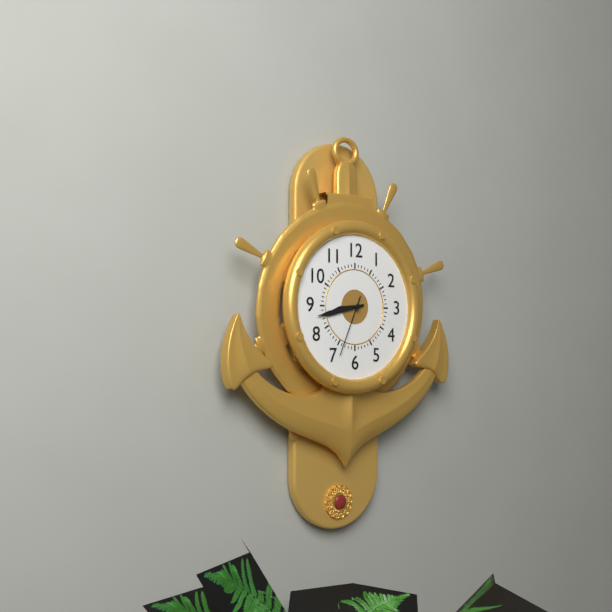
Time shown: 8:43:34
